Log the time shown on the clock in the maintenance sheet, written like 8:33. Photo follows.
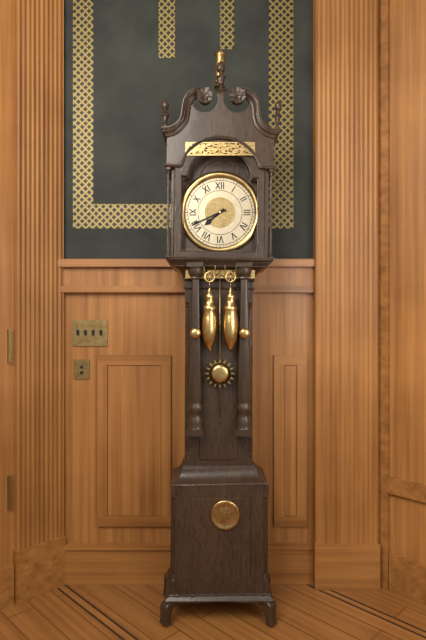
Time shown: 7:41
